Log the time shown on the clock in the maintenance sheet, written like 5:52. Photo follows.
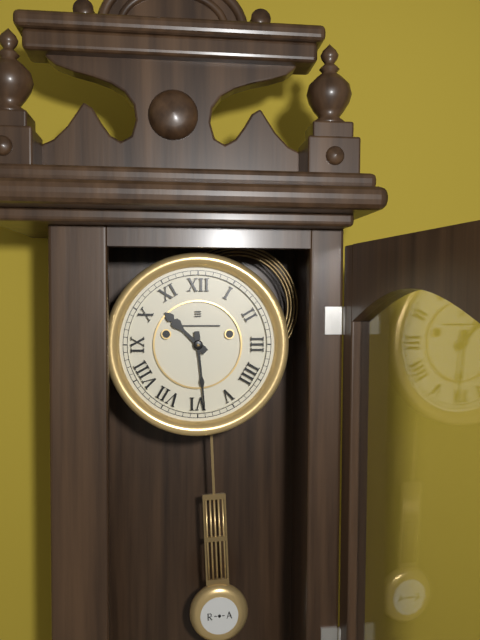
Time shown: 10:29
